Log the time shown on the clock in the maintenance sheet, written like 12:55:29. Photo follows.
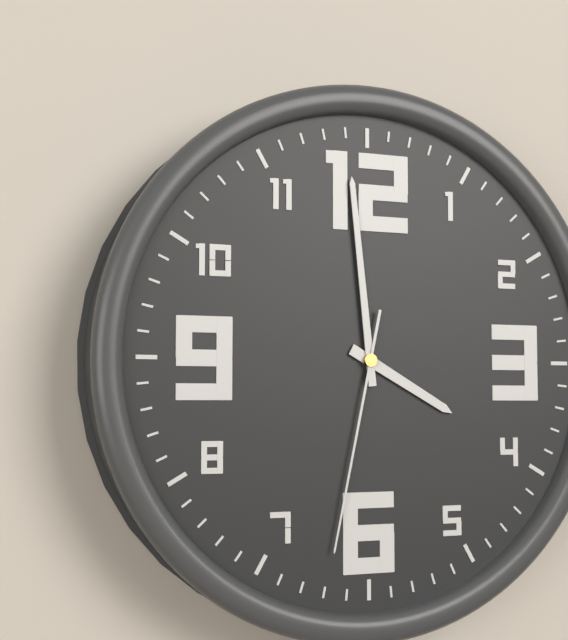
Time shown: 3:59:32
